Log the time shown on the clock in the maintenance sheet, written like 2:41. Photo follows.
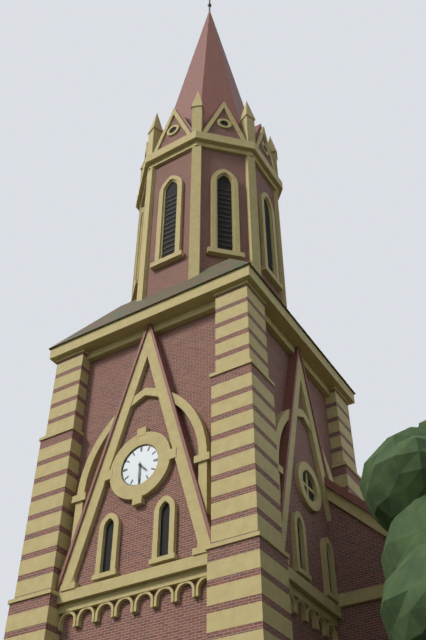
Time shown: 4:30
